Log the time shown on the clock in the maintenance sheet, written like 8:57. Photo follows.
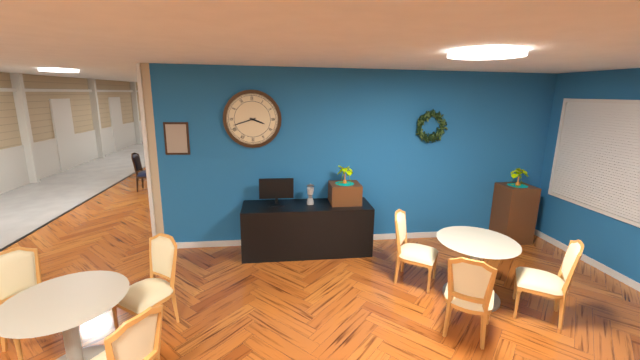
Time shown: 3:42
